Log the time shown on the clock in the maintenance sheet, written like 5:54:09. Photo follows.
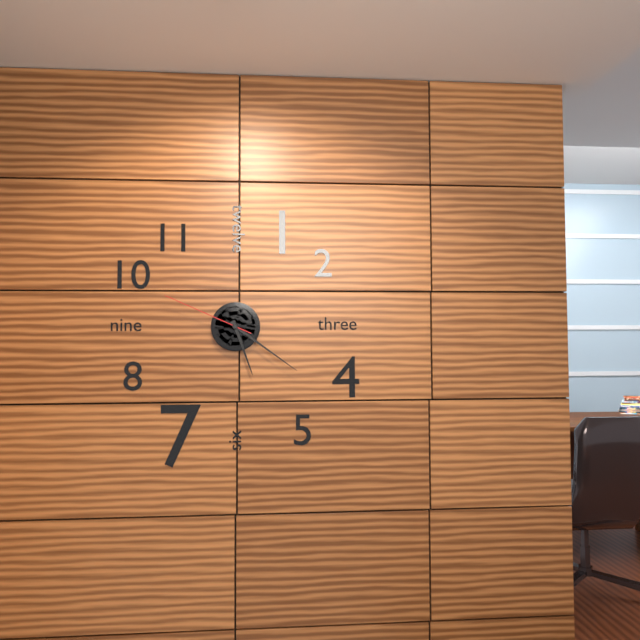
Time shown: 5:21:49
